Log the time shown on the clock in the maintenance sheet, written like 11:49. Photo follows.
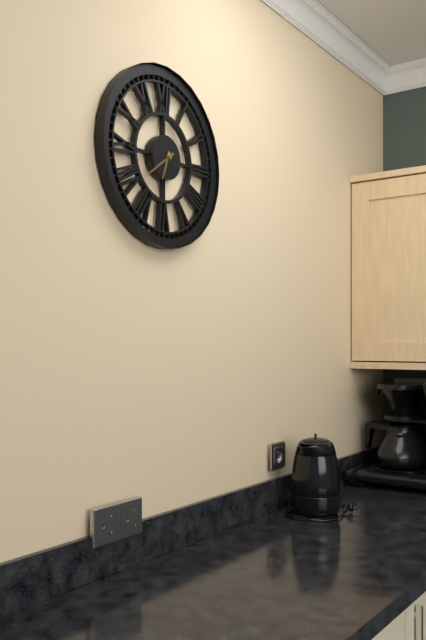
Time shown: 6:39
